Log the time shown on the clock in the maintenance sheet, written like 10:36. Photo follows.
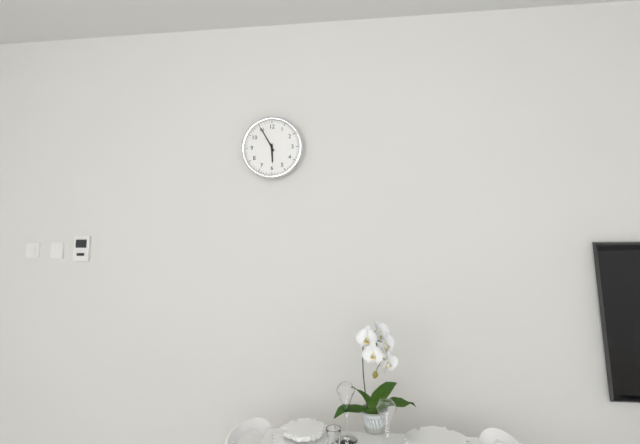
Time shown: 5:55
